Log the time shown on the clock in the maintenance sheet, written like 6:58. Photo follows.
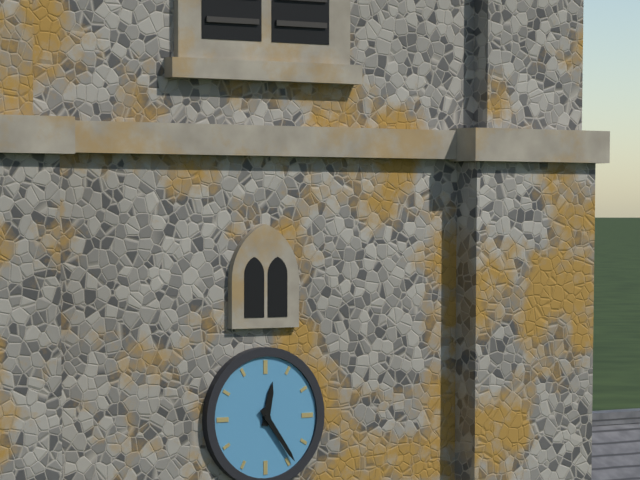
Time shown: 12:24
